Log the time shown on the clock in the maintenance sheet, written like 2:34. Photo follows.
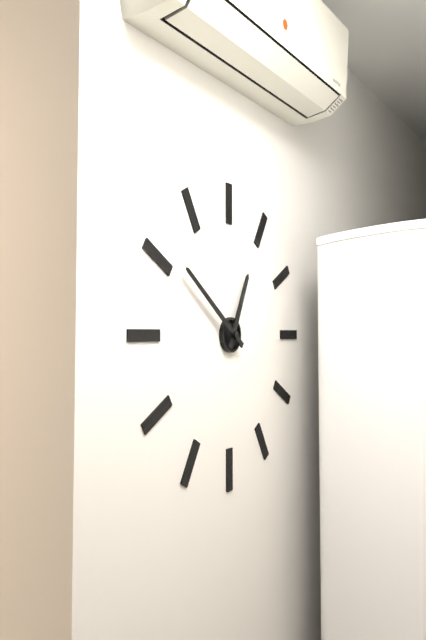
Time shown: 12:51
